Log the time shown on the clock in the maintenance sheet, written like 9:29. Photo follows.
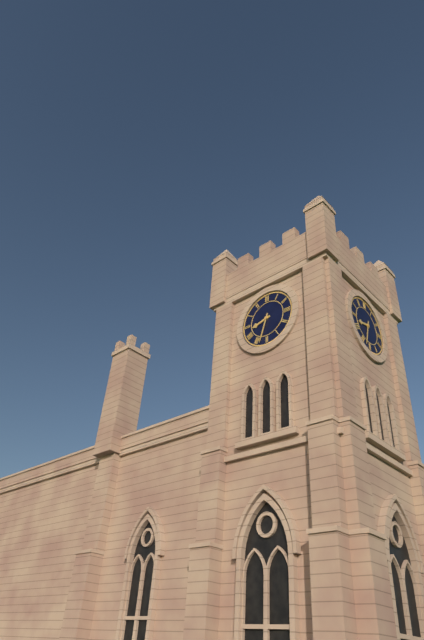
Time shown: 8:33
